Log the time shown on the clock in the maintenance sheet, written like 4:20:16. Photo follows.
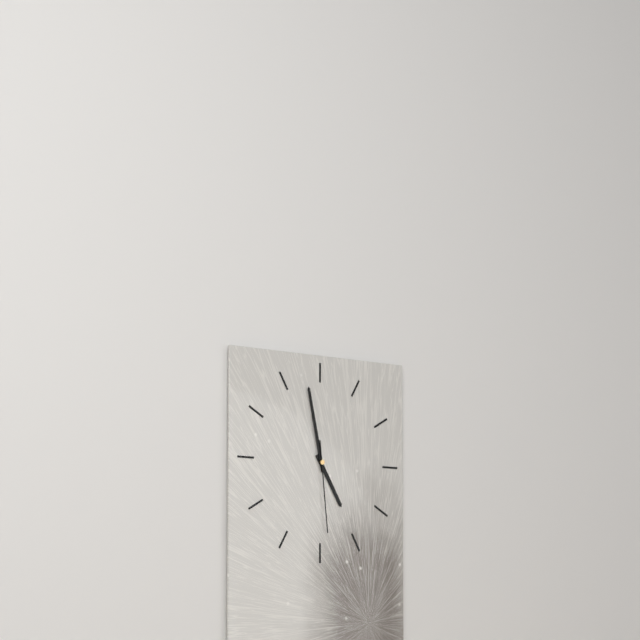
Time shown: 4:58:29
